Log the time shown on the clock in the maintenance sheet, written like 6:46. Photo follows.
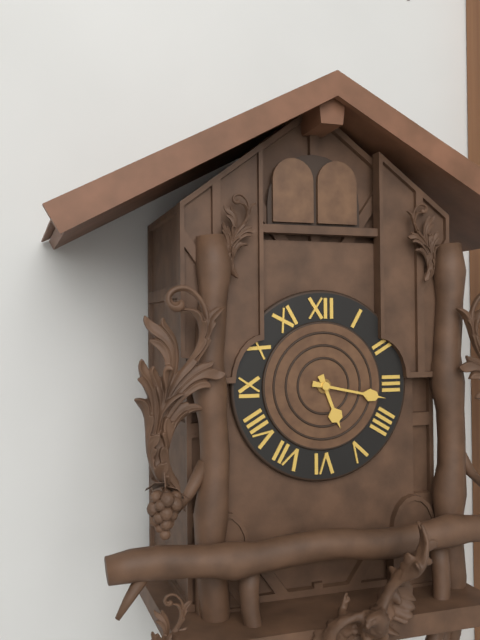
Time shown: 5:17
